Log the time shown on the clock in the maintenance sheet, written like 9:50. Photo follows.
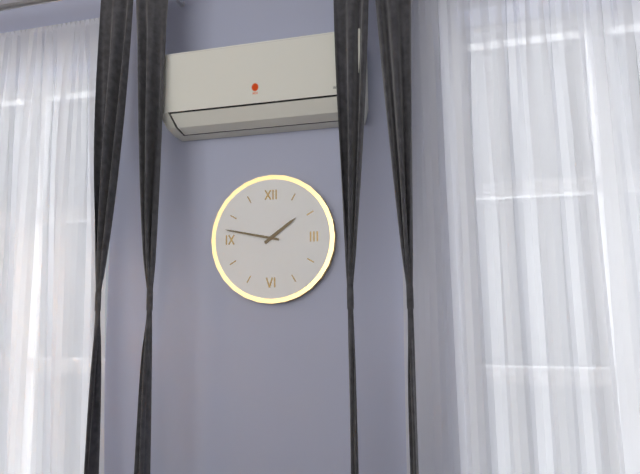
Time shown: 1:47
